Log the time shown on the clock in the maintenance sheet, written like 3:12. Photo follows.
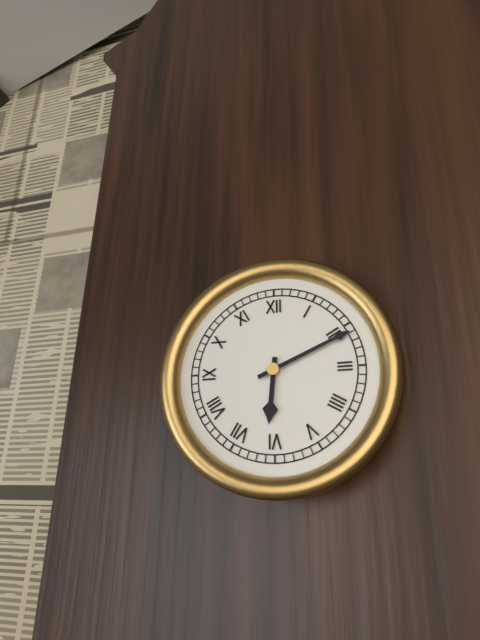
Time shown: 6:11
